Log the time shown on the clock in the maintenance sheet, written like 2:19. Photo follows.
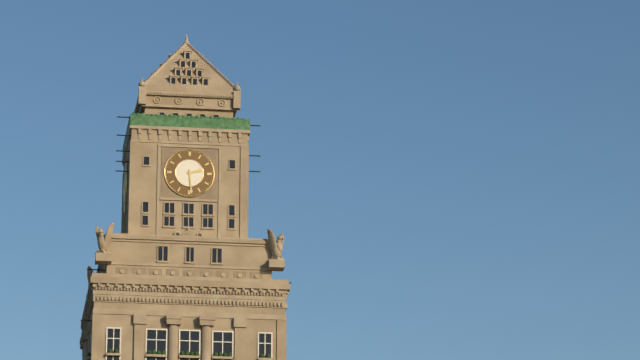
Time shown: 2:29
